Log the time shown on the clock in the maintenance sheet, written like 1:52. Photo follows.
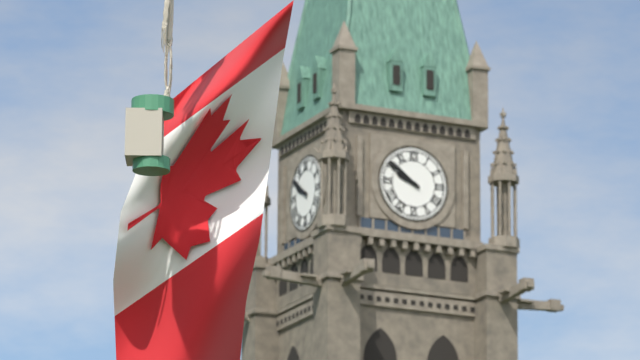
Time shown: 9:51
